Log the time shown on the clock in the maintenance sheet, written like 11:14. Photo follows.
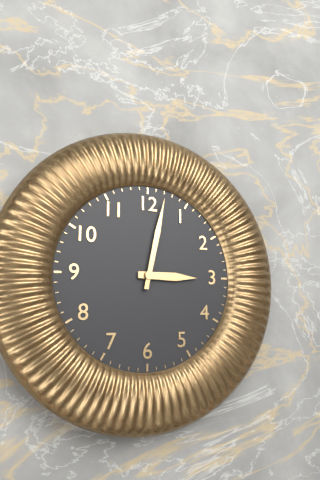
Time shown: 3:02
